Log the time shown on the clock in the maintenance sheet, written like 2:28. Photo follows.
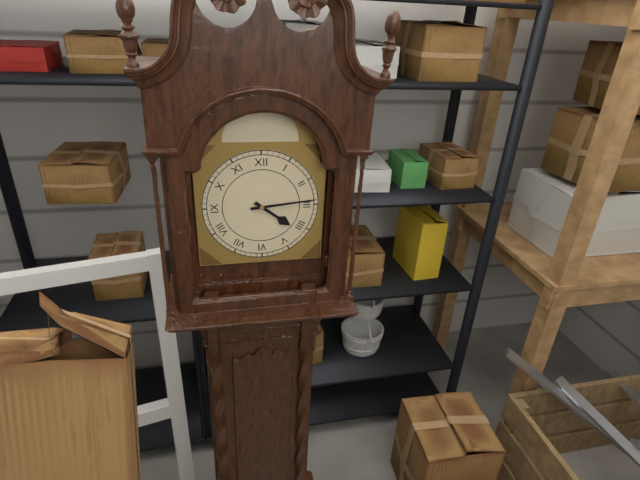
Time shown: 4:14
